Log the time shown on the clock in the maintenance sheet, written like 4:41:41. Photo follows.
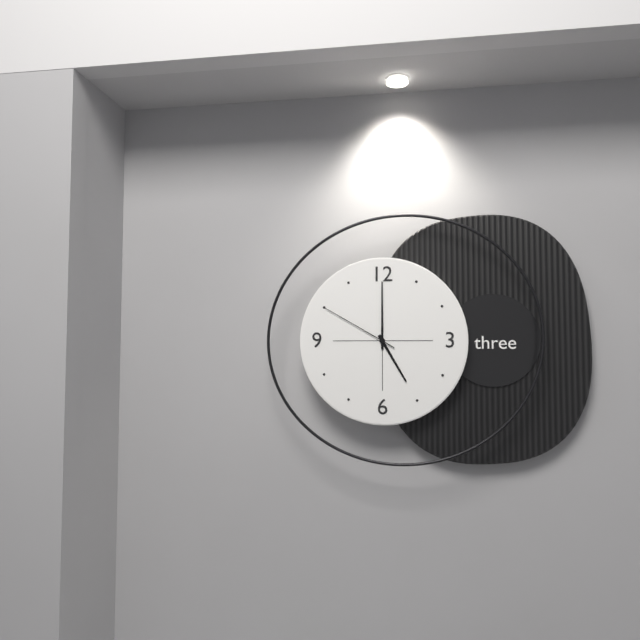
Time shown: 5:00:50
